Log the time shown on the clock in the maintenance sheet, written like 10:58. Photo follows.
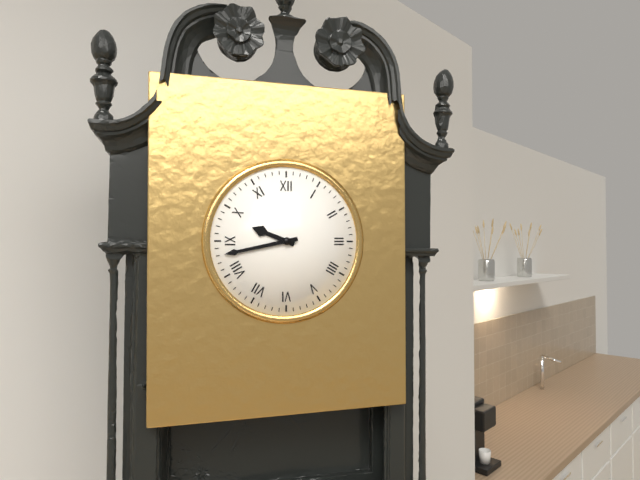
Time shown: 9:43
